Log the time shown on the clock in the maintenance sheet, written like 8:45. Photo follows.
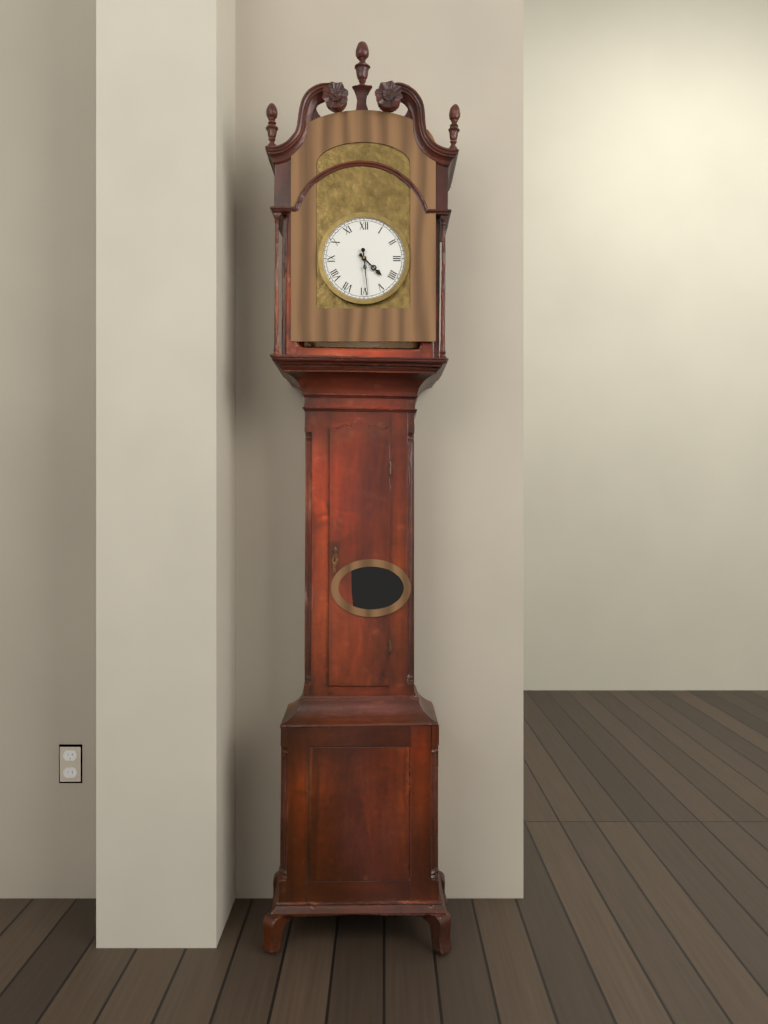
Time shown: 4:29
